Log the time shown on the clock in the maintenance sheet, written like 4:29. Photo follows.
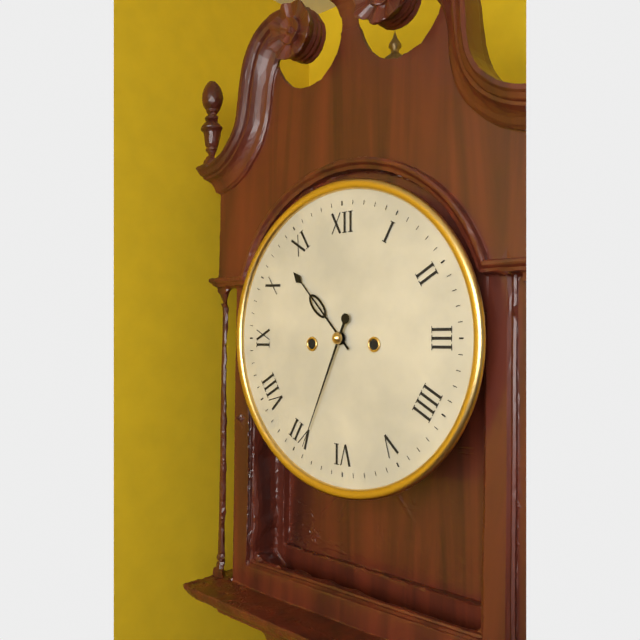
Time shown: 10:34
